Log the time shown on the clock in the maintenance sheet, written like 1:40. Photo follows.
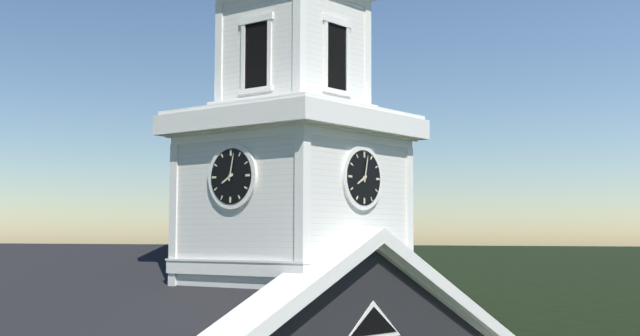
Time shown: 8:02
